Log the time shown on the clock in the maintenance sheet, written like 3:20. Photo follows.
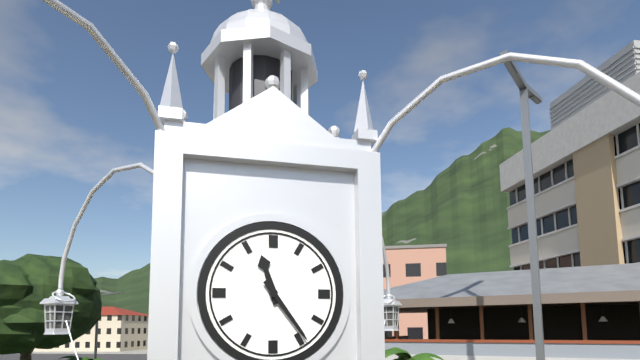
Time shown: 11:24
